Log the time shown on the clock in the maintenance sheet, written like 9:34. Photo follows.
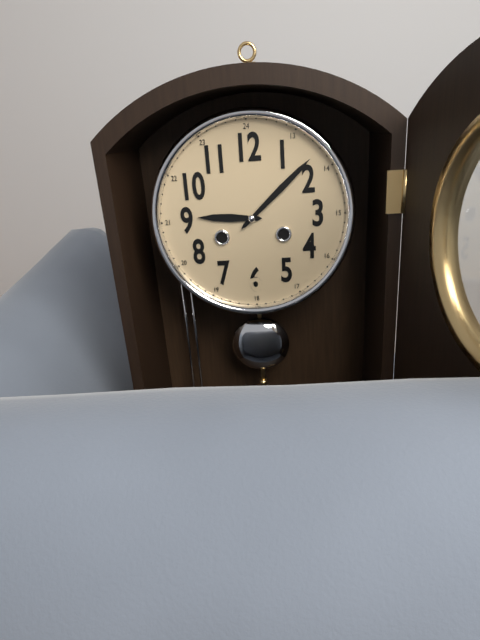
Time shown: 9:08
